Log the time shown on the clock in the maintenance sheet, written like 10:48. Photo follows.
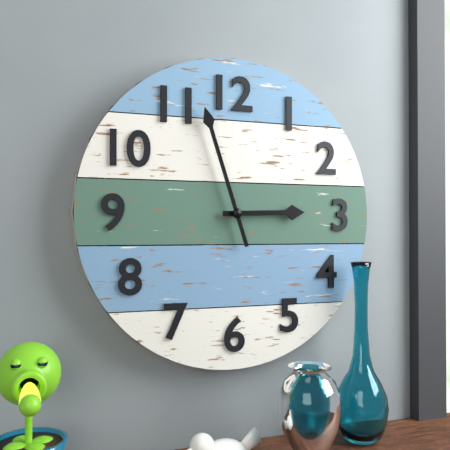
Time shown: 2:57
